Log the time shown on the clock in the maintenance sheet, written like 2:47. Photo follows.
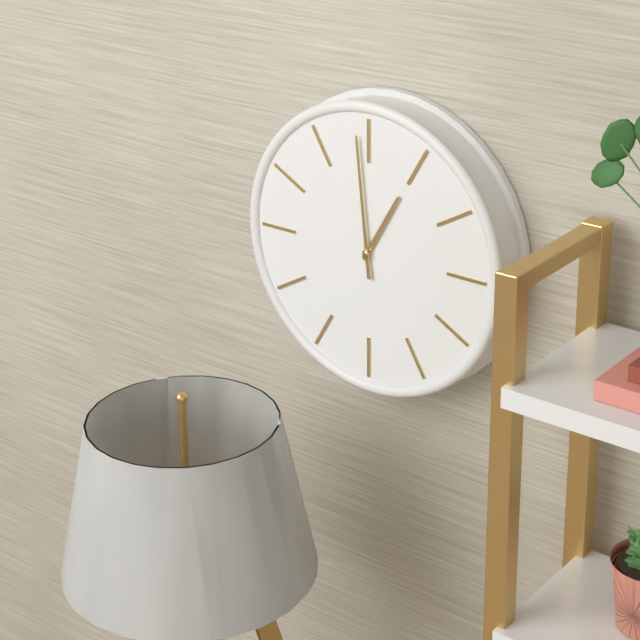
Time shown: 12:59
